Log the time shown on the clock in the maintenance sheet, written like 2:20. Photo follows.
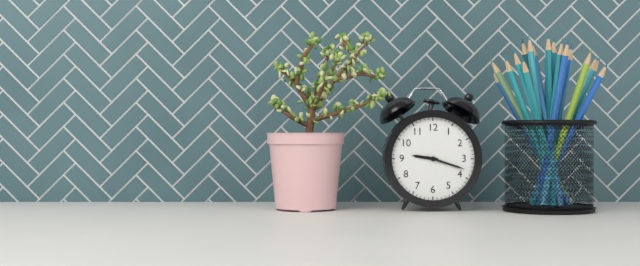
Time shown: 9:18
